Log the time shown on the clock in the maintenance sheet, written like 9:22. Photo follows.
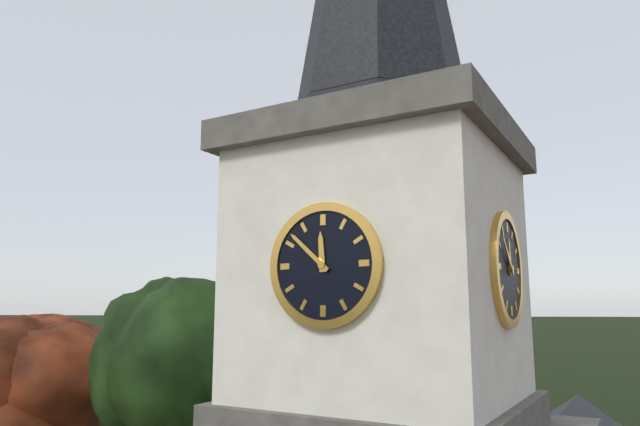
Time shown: 11:52
